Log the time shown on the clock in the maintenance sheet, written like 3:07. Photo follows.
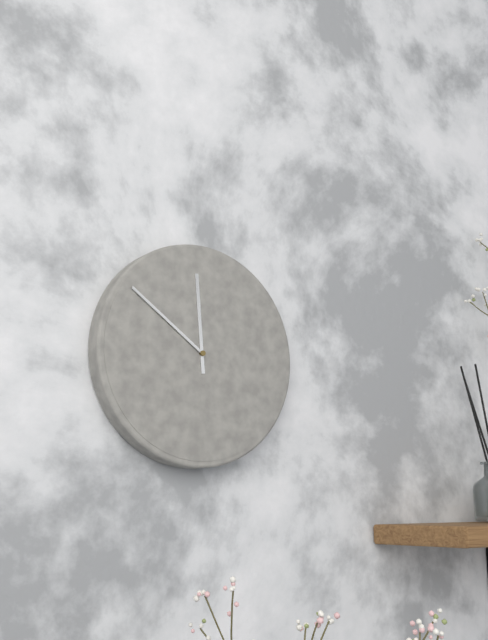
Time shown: 11:51
